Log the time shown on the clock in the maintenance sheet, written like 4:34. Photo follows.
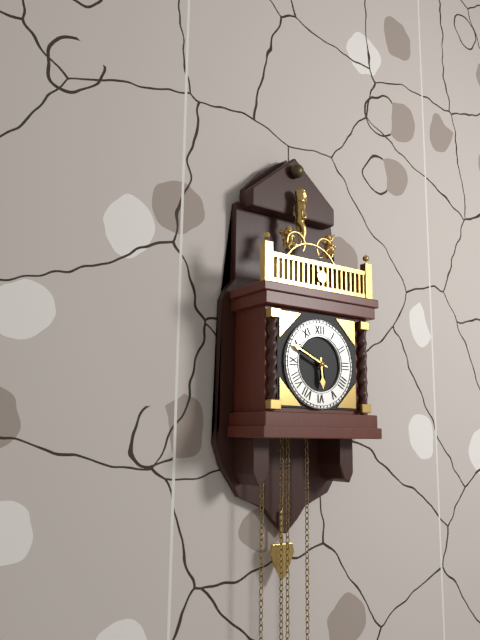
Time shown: 5:49
